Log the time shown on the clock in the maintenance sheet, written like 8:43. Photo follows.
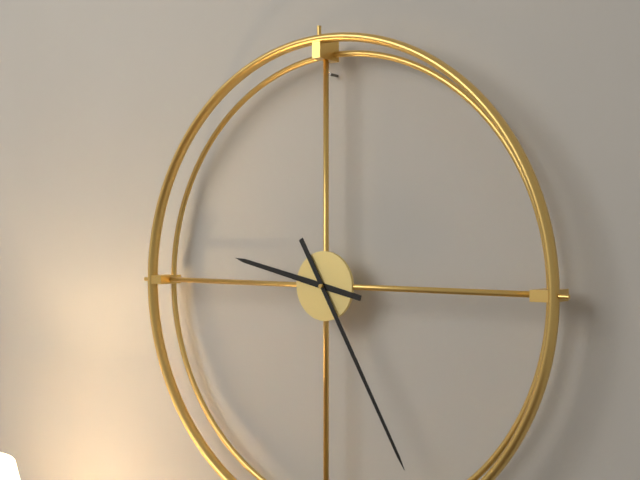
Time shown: 9:25
